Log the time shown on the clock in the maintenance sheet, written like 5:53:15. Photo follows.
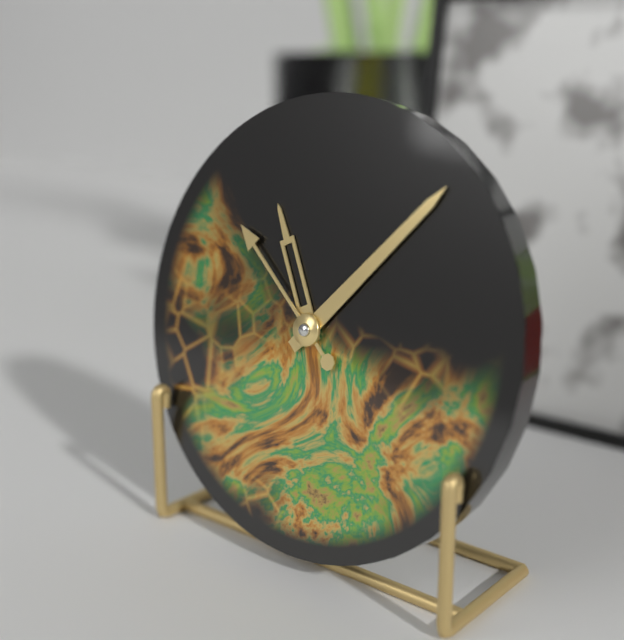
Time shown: 11:07:52
